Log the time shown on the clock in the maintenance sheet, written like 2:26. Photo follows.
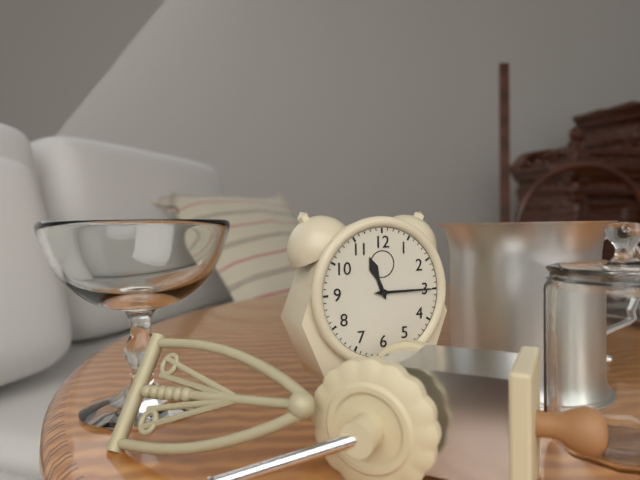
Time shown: 11:15
